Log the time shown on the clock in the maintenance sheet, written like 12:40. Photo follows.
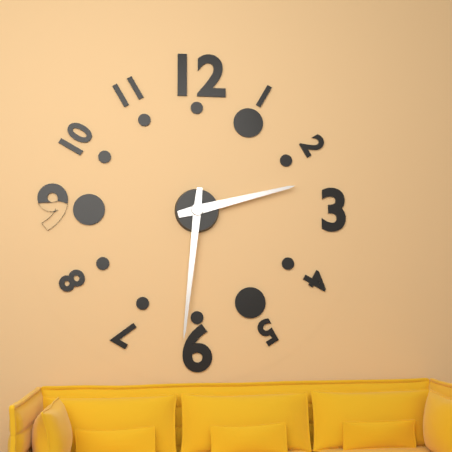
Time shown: 2:31
